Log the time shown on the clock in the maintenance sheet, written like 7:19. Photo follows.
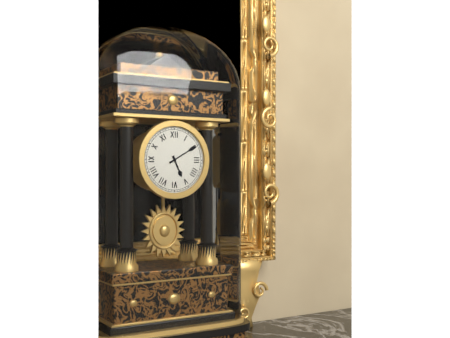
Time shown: 5:10
